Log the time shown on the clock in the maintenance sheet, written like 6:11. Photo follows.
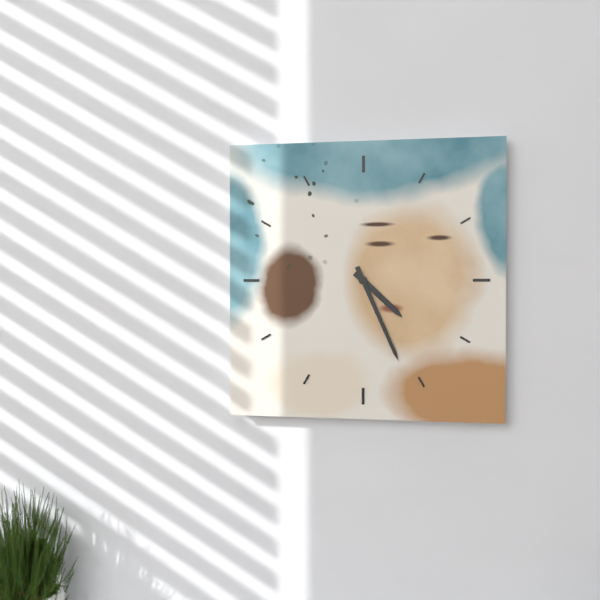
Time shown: 4:26
